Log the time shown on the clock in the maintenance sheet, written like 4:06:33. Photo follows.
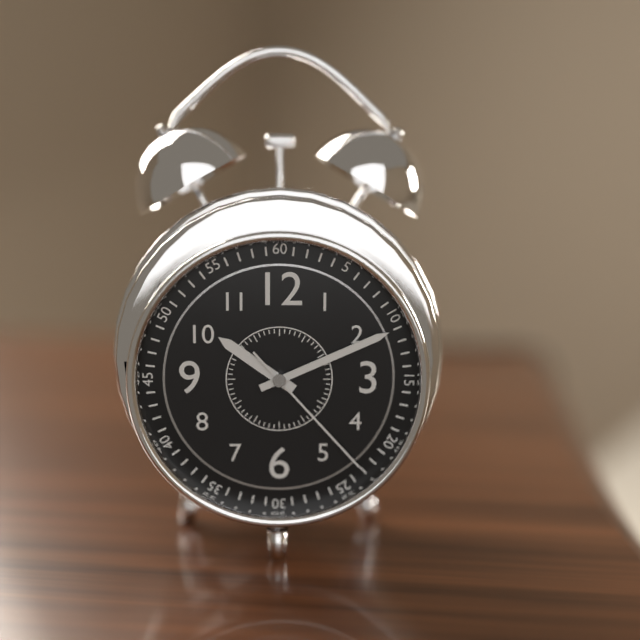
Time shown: 10:11:23
